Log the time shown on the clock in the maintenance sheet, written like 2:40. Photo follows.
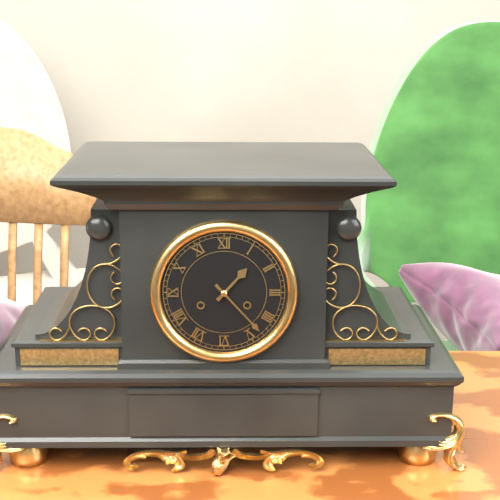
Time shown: 1:23
